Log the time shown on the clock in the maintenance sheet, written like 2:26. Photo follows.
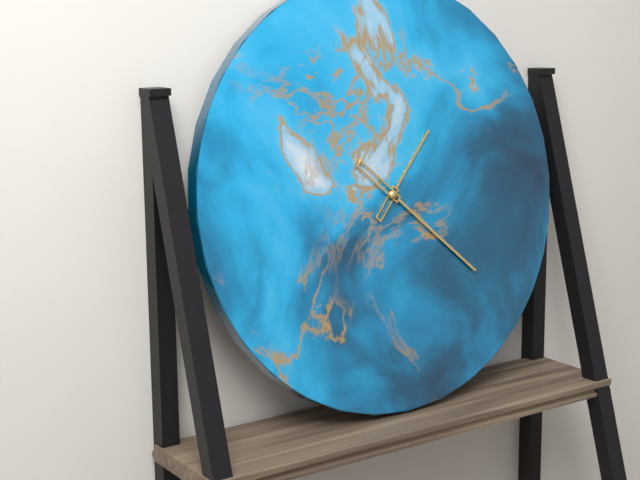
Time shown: 1:22
